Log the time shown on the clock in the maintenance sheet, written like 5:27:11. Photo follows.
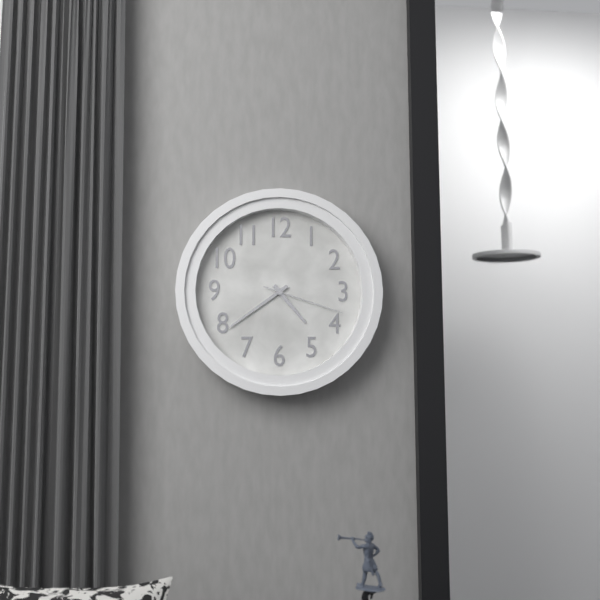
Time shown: 4:39:18
